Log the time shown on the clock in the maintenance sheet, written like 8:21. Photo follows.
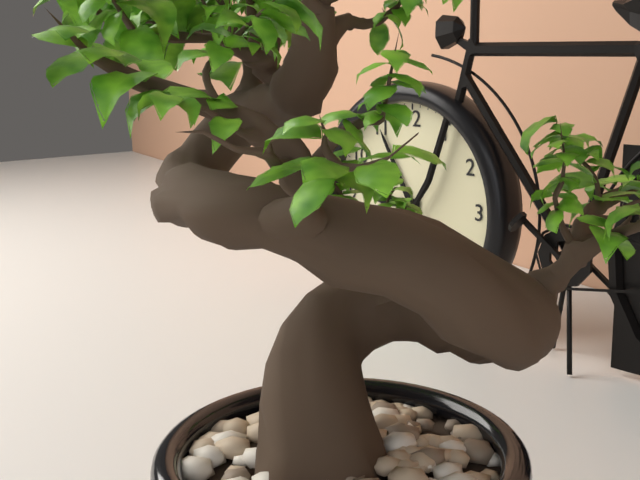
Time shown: 8:55
